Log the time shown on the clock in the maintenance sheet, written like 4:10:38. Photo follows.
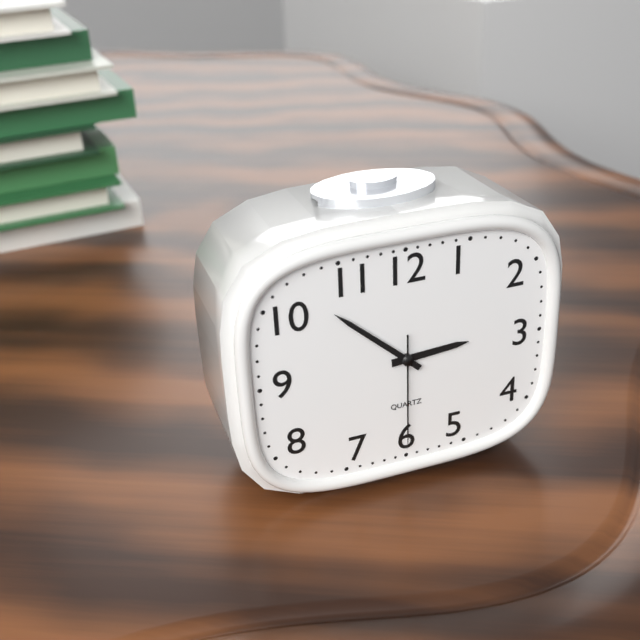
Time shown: 2:52:30
